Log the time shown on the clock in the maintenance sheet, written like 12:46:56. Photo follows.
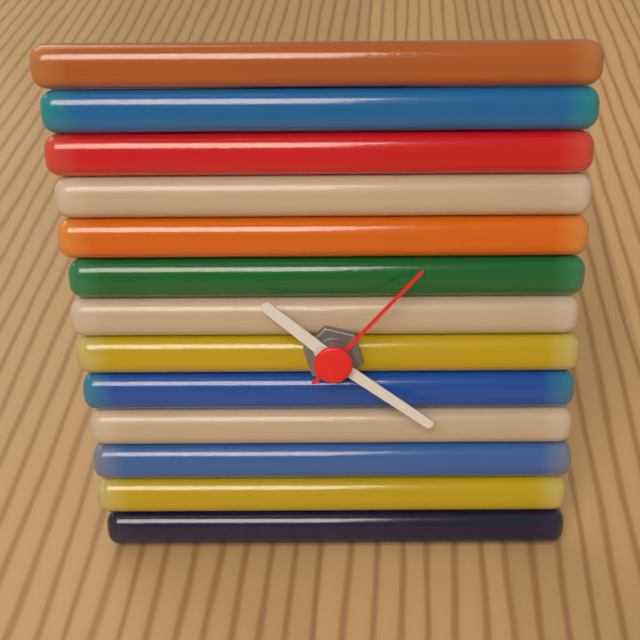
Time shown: 10:21:07
